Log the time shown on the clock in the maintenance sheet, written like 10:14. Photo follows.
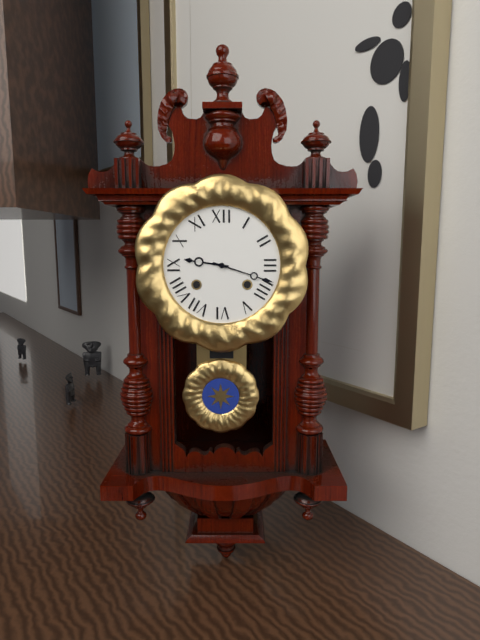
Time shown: 9:18
